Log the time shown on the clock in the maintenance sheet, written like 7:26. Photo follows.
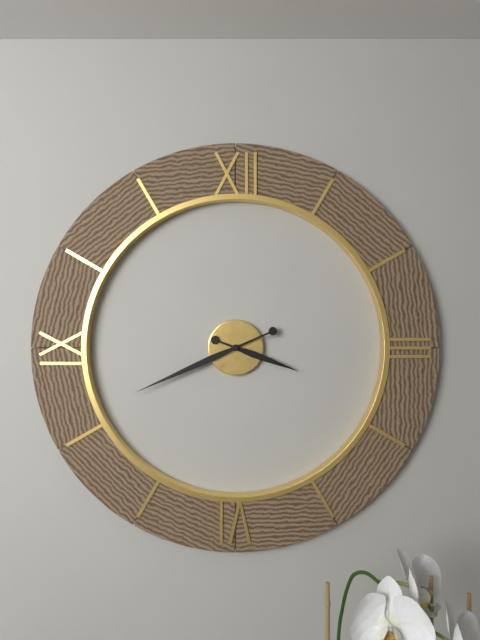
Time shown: 3:41
